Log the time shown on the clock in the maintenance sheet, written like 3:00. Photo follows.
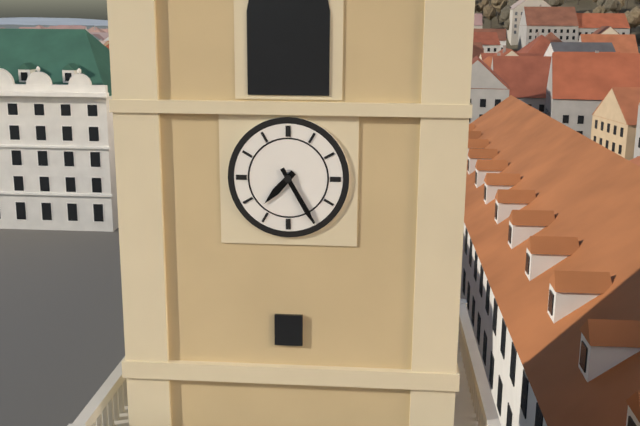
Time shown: 7:25
